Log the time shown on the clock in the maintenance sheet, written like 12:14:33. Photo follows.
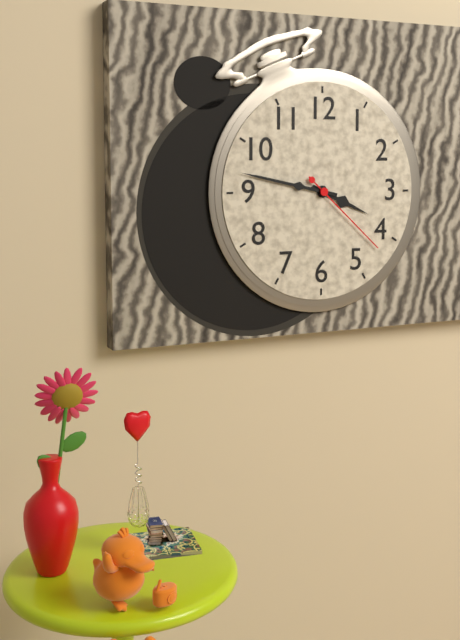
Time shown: 3:47:22
